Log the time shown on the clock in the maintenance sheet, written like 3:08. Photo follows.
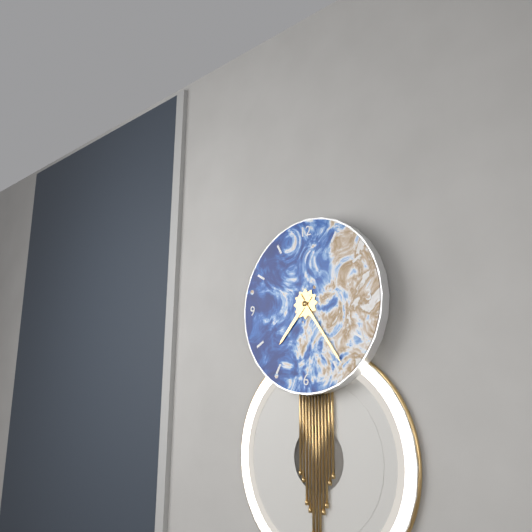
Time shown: 7:24
